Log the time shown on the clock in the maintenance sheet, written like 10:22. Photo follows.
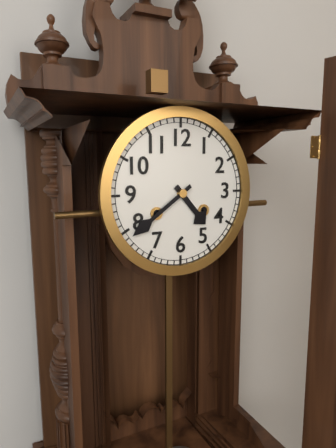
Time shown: 4:39
